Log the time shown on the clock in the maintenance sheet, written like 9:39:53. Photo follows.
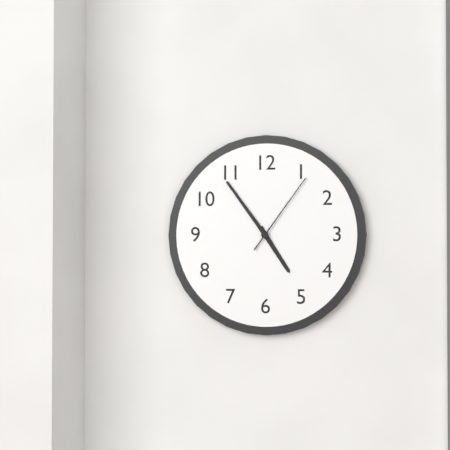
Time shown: 4:54:06
